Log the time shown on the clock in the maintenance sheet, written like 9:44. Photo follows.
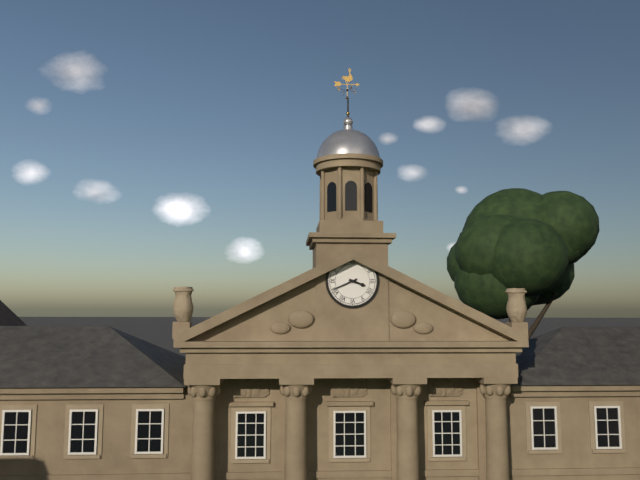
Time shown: 3:41
